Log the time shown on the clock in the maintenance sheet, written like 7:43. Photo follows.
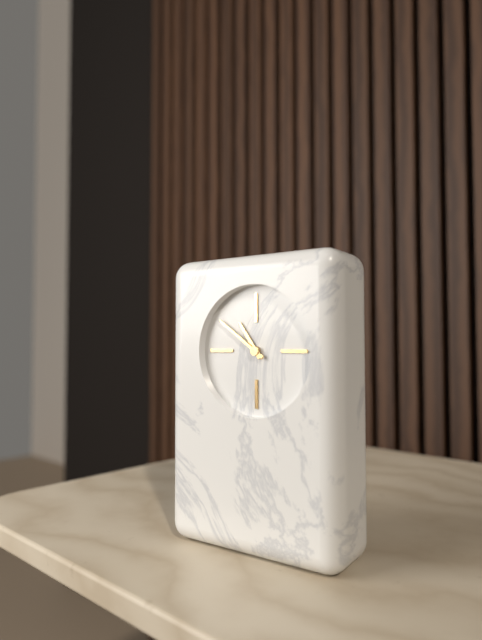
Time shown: 10:51
